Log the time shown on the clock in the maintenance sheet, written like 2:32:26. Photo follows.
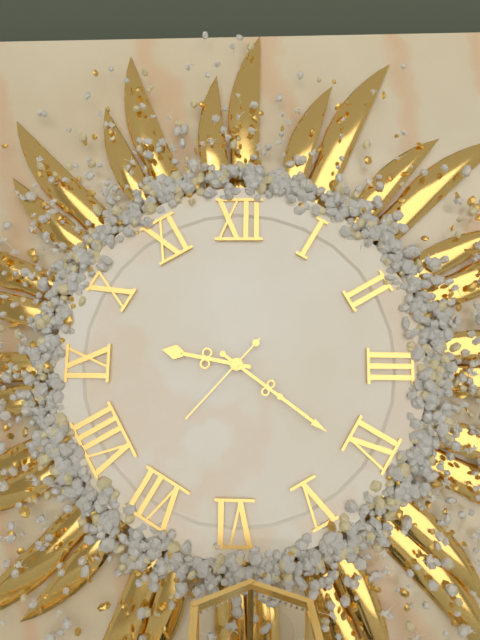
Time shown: 9:21:37
